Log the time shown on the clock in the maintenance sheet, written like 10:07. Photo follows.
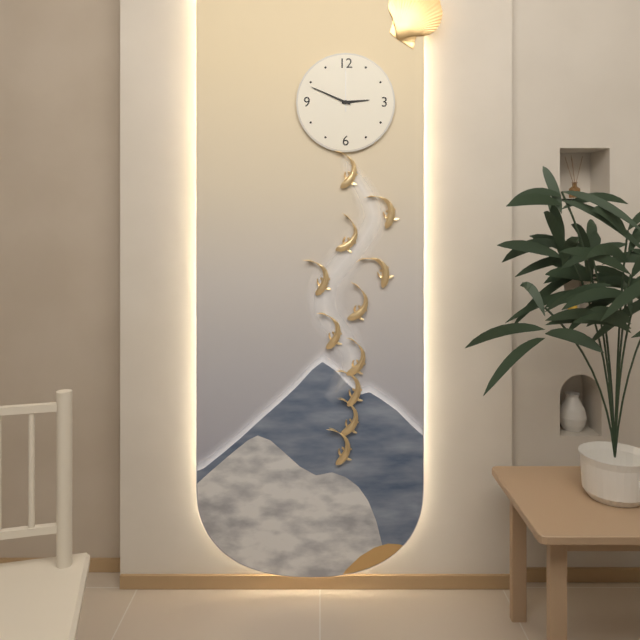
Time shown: 2:49
